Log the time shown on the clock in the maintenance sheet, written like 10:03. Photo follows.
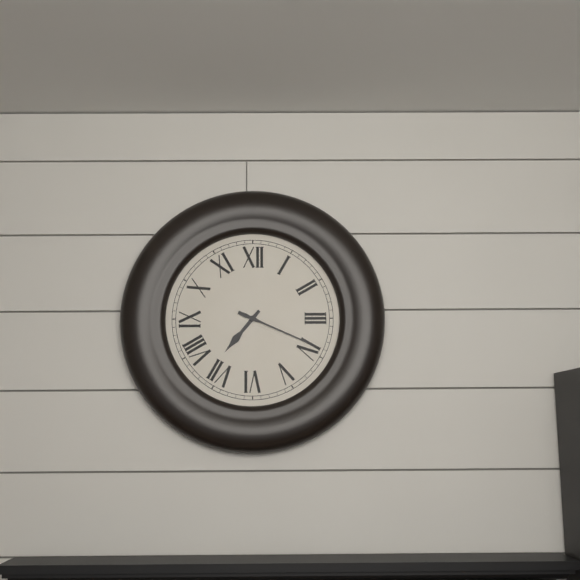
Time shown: 7:19
